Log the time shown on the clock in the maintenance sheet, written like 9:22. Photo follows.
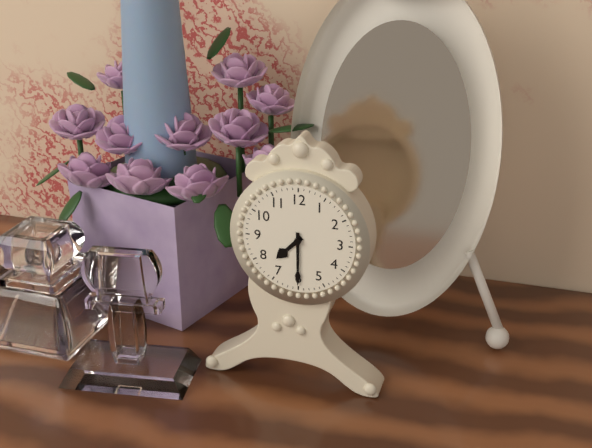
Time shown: 7:30
